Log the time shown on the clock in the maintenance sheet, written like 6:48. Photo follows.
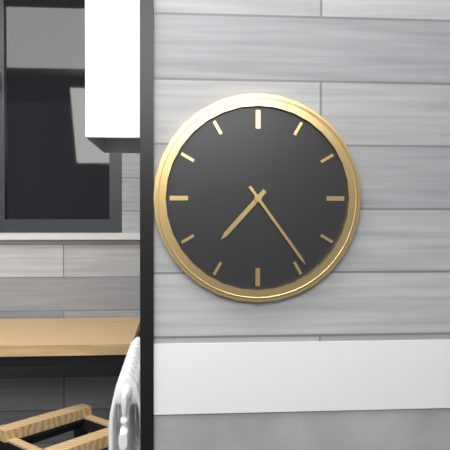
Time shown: 7:24
